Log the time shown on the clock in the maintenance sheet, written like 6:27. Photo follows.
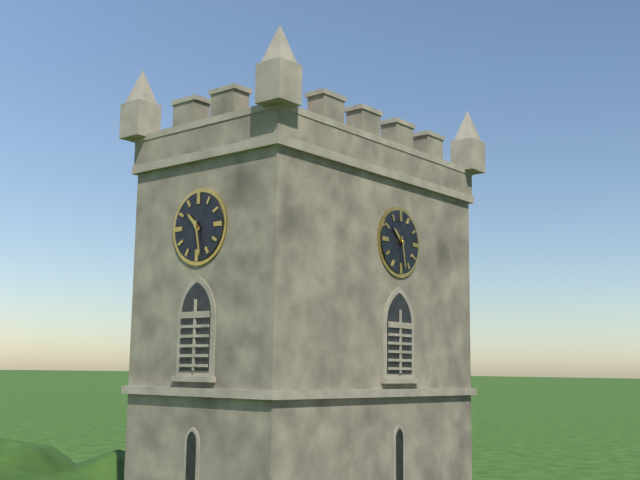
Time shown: 10:28
